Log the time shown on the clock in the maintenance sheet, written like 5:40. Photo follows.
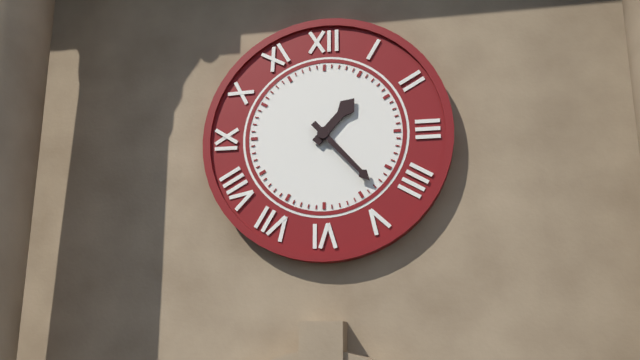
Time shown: 1:23
